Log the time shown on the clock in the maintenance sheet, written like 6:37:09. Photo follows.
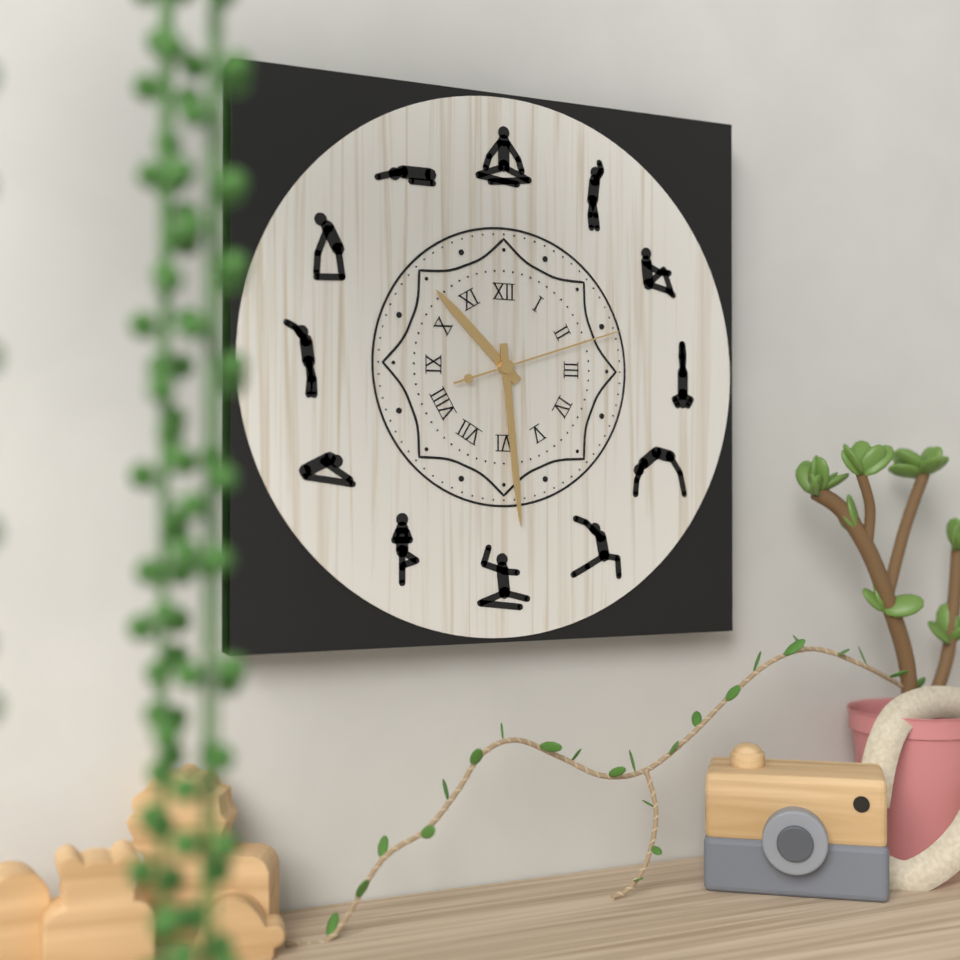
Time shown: 10:29:12
